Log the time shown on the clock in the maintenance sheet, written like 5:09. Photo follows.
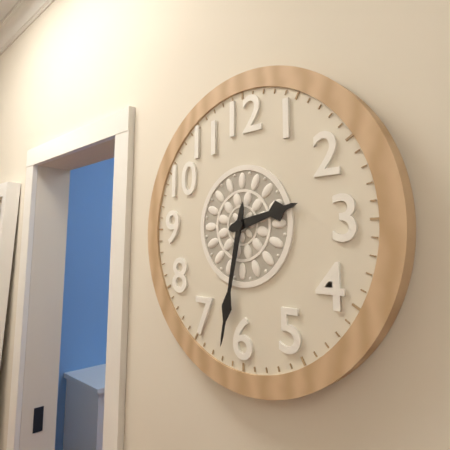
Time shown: 2:32
